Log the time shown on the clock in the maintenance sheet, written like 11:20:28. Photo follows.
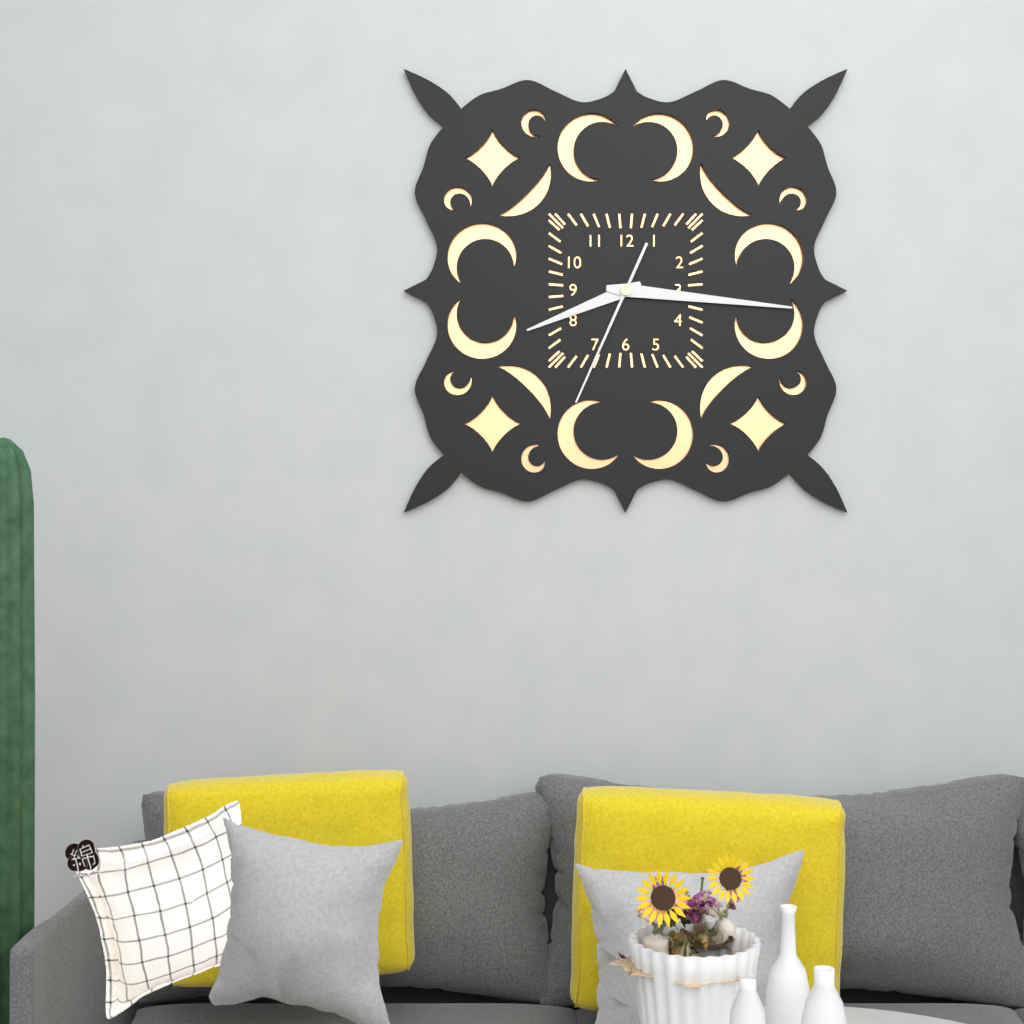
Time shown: 8:16:34
